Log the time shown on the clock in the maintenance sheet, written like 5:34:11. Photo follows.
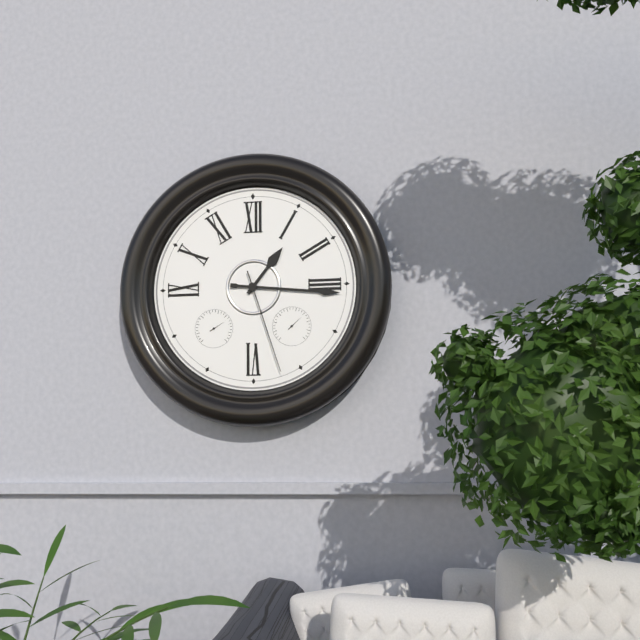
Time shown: 1:16:27
